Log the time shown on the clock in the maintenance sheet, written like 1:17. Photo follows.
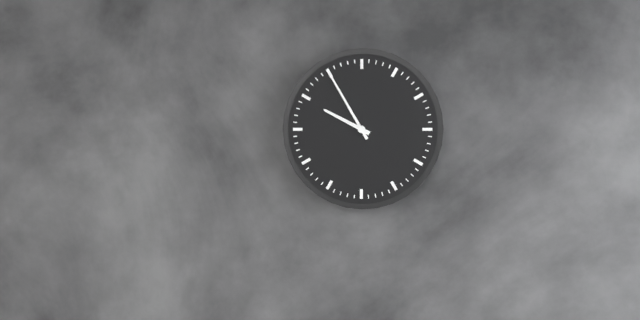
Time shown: 9:55
